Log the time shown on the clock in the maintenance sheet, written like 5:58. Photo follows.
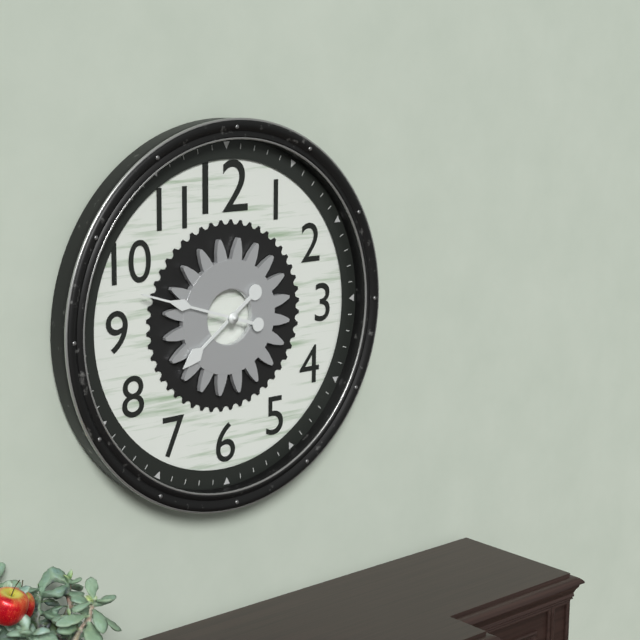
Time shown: 7:48
